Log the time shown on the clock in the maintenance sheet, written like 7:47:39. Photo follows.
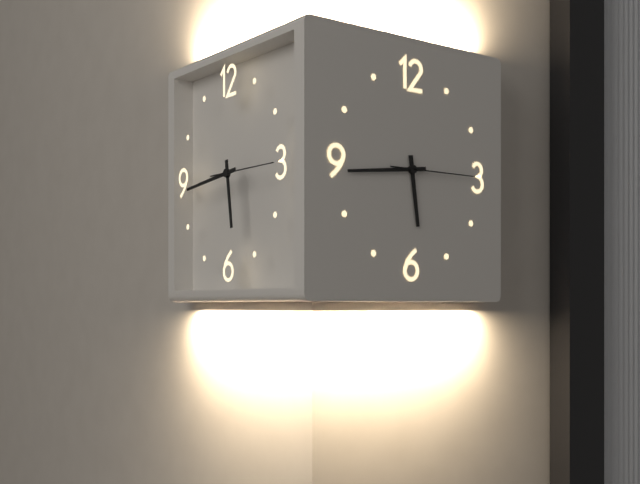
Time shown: 5:44:15
